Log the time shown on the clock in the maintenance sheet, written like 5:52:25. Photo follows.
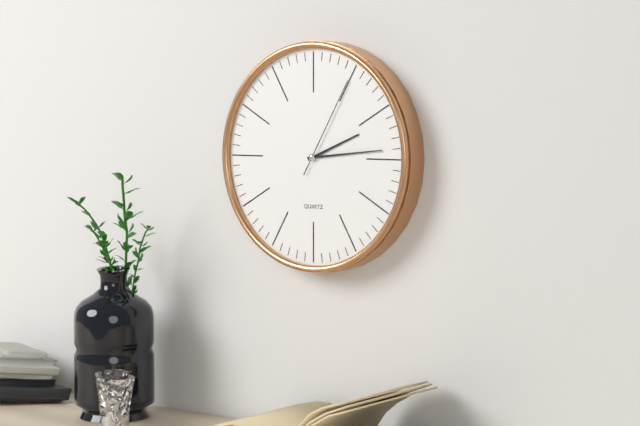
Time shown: 2:14:05
